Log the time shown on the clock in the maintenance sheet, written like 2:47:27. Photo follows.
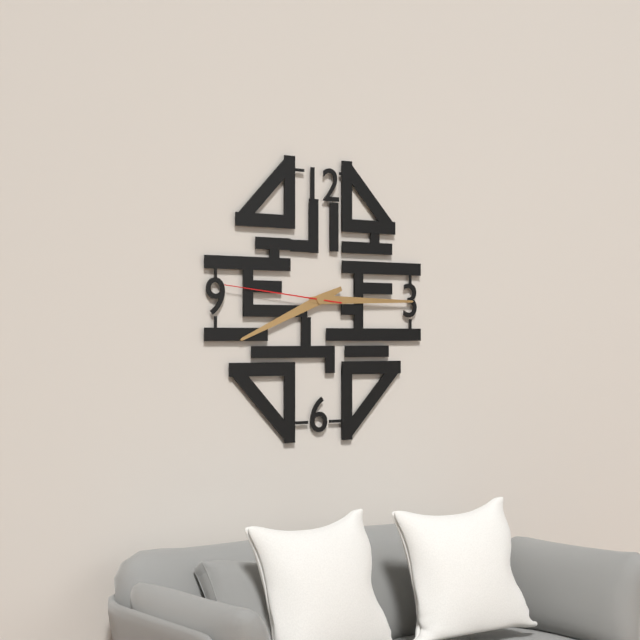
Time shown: 8:15:46
